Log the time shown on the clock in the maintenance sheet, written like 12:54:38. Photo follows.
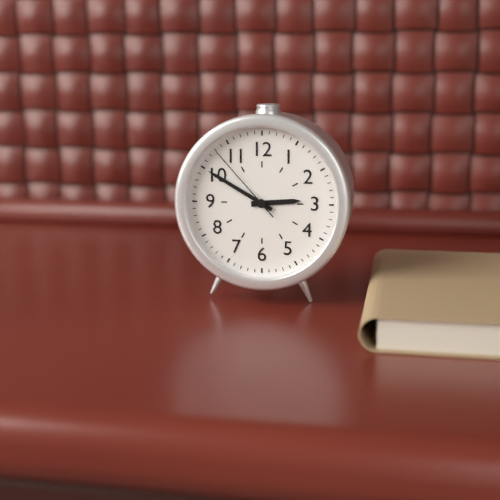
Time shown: 2:50:53
